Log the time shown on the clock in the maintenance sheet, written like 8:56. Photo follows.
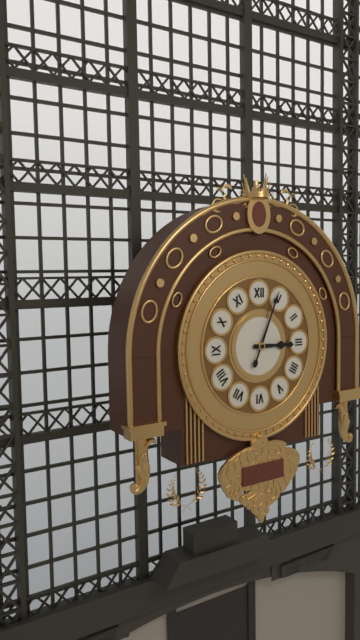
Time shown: 3:04
